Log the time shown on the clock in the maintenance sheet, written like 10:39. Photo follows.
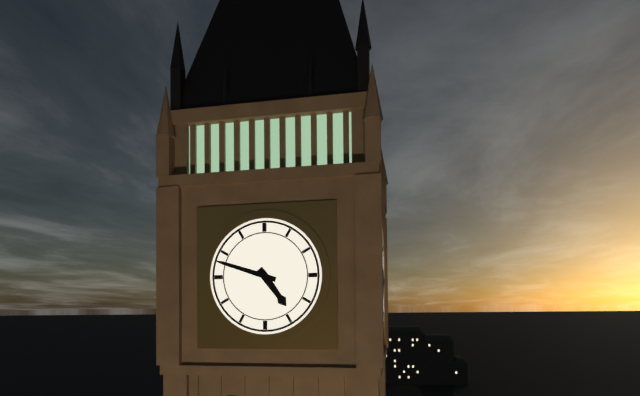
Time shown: 4:48
